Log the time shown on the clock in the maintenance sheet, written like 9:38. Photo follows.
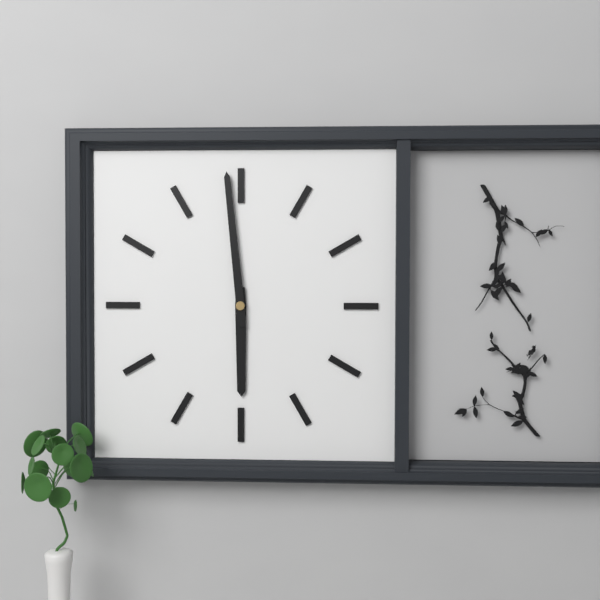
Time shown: 5:59
